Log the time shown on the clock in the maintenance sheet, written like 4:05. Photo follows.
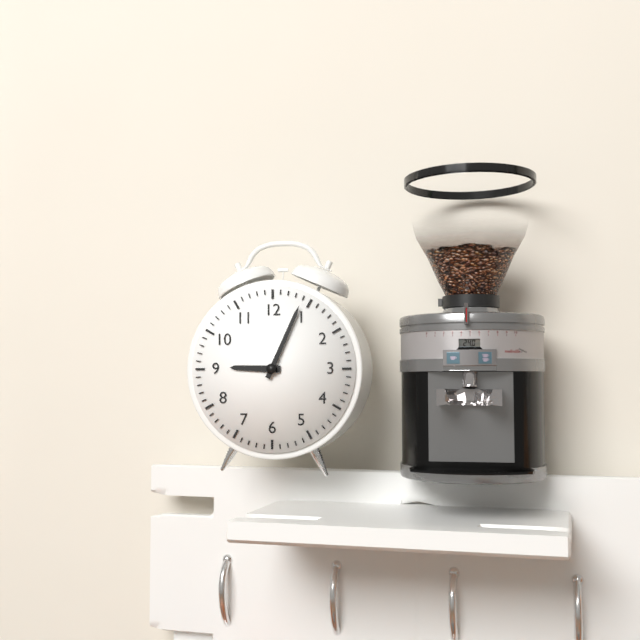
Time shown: 9:04
